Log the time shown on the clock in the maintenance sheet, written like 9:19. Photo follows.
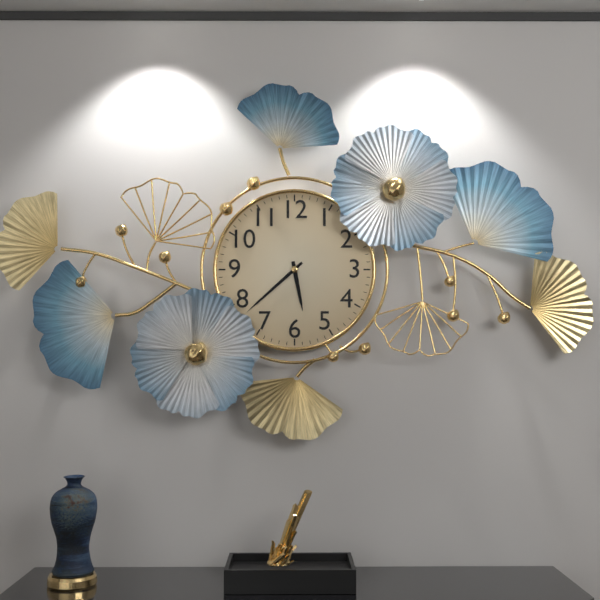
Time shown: 5:38
